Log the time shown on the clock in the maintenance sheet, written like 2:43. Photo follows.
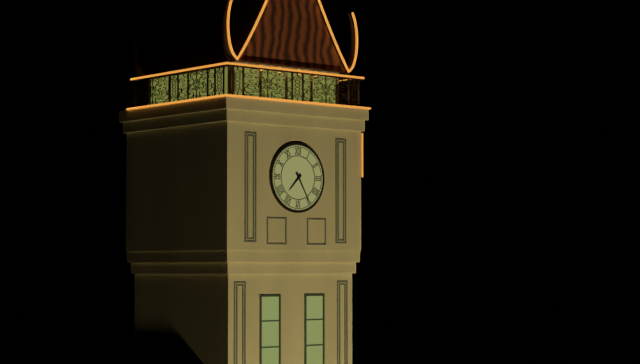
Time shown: 7:25
